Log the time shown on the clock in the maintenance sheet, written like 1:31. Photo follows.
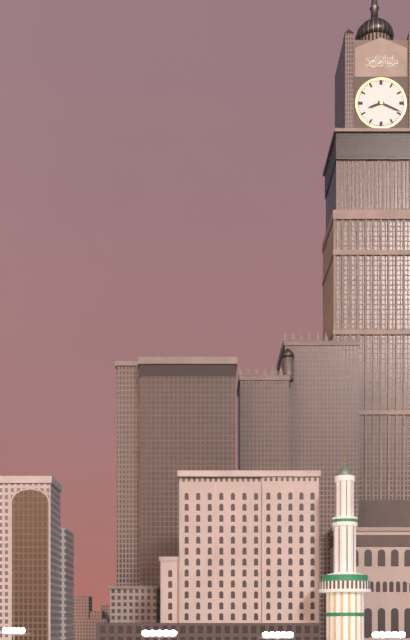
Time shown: 8:19
